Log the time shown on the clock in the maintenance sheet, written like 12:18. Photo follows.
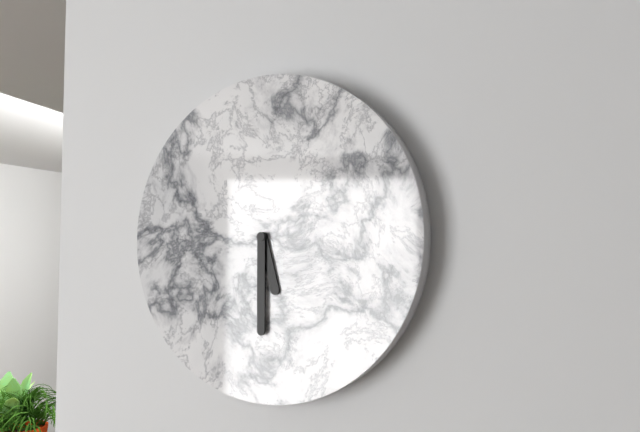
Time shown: 5:30
